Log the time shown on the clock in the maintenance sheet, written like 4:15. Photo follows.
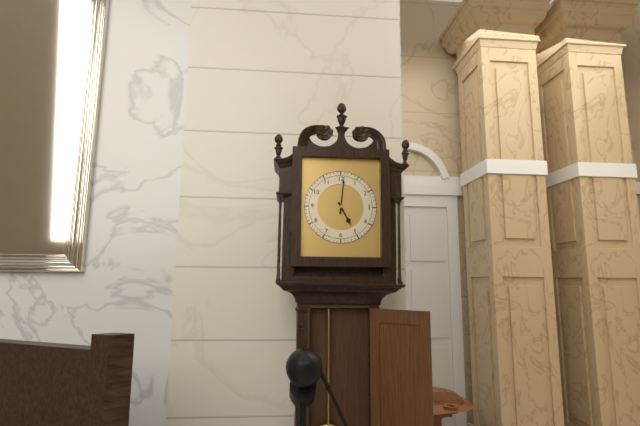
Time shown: 5:01
